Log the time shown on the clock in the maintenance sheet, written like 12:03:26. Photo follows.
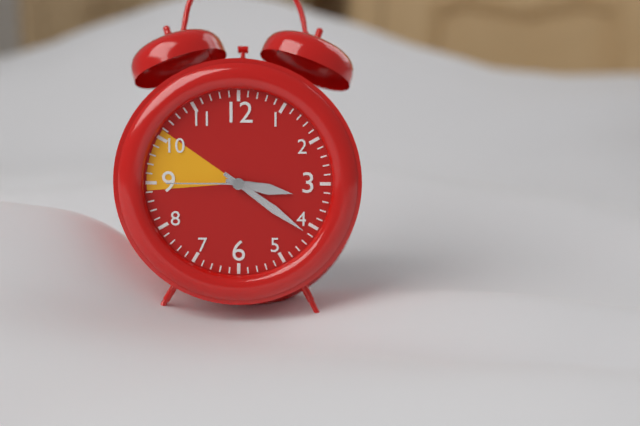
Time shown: 3:21:45
